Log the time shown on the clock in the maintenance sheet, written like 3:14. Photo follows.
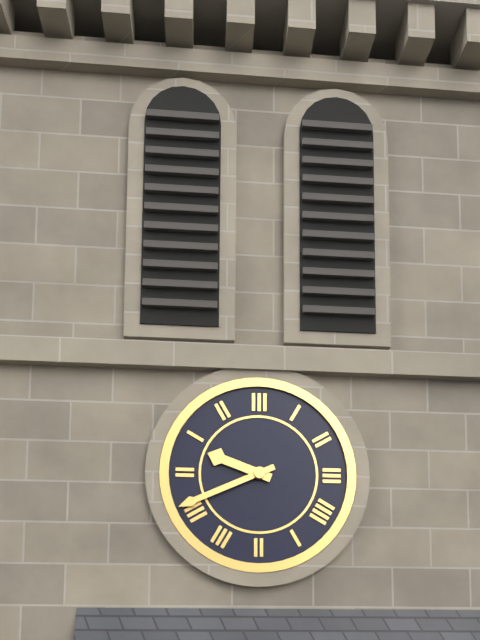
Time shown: 9:41
